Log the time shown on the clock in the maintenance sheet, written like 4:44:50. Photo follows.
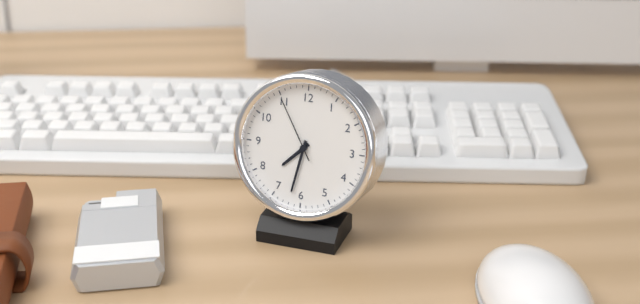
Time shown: 7:32:55
